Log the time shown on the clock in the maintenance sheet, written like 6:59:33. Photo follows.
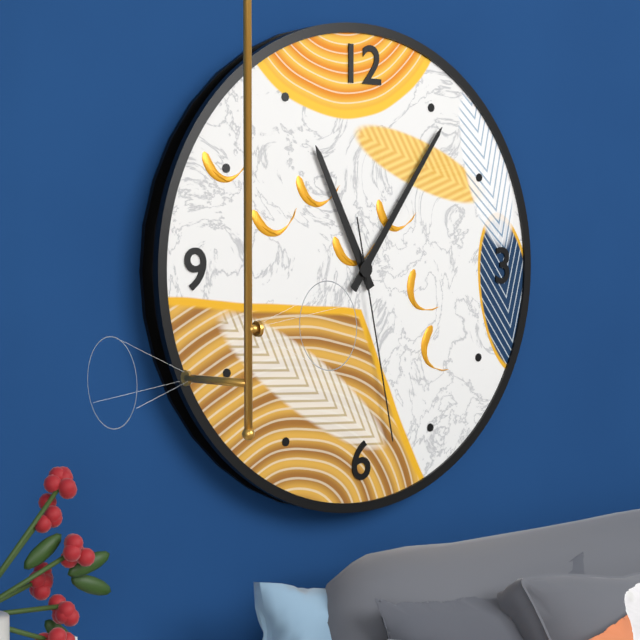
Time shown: 11:06:28
